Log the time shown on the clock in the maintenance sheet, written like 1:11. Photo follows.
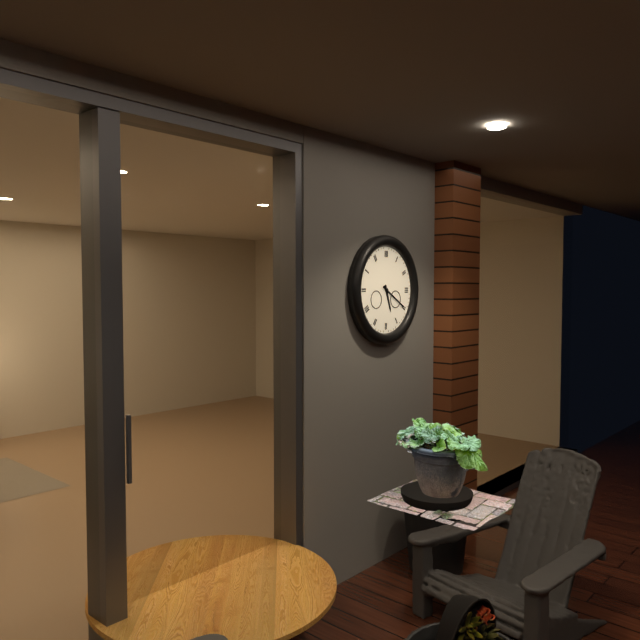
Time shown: 5:20
